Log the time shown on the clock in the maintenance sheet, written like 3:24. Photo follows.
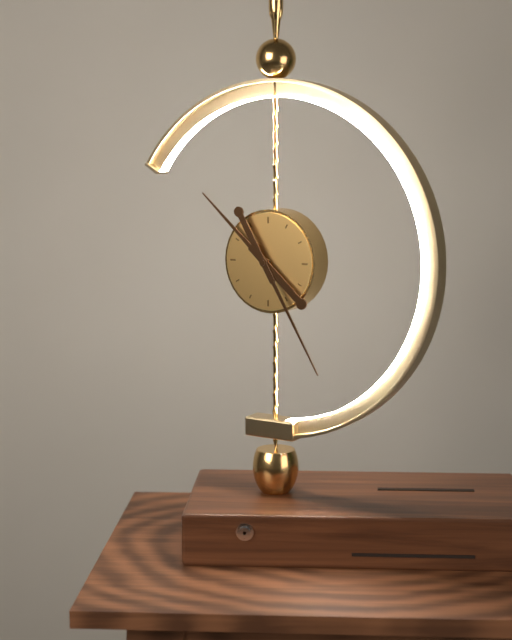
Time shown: 10:25
